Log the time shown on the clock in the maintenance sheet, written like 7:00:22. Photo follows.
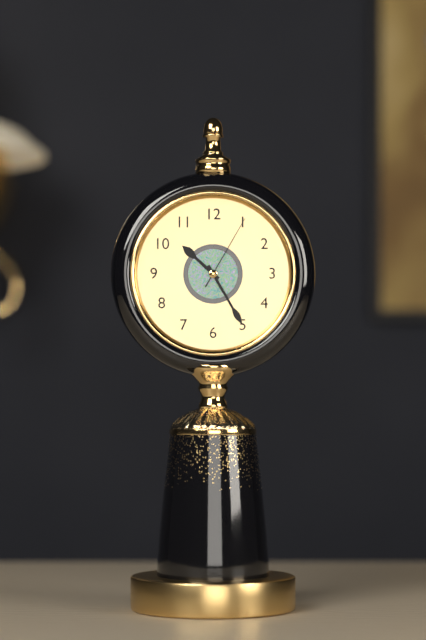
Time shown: 10:25:05
